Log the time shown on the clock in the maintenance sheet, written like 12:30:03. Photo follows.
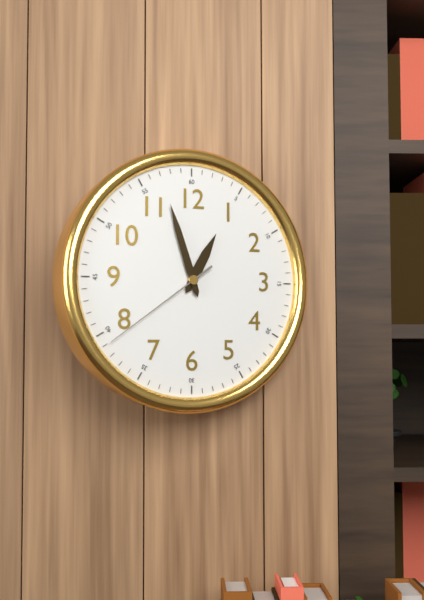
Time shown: 12:57:39
